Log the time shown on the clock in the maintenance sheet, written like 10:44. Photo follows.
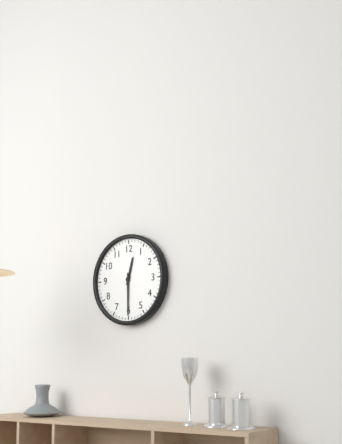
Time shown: 12:30
